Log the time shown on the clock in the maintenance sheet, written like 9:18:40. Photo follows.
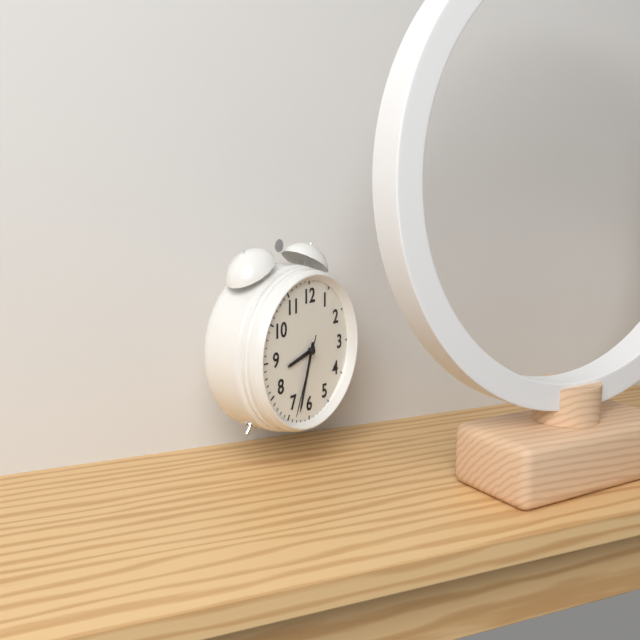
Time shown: 8:33:34
